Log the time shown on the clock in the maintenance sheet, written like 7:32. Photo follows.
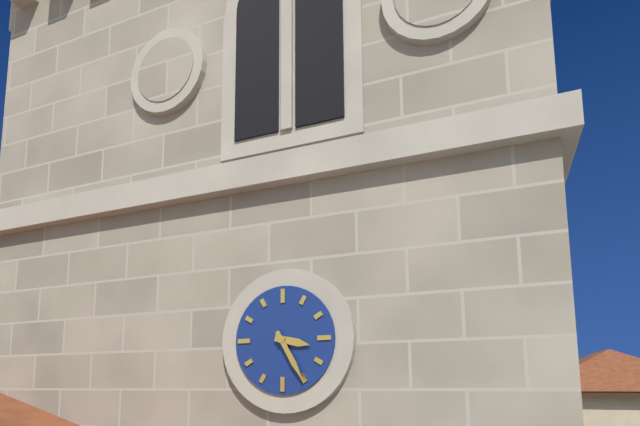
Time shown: 3:25
